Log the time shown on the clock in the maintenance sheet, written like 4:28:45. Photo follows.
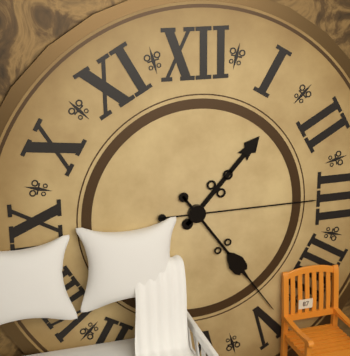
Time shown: 1:24:15
